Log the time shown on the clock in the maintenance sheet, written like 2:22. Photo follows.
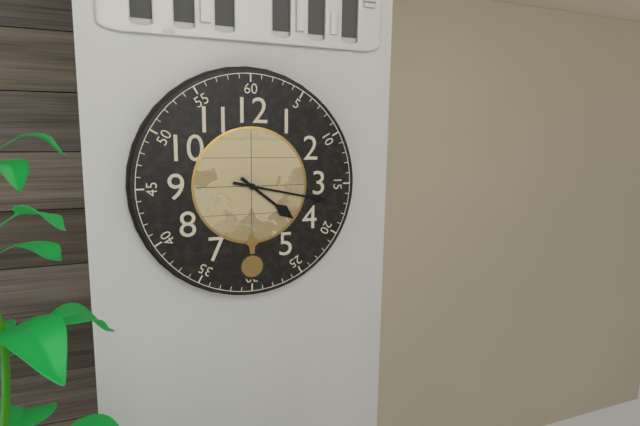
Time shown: 4:17
